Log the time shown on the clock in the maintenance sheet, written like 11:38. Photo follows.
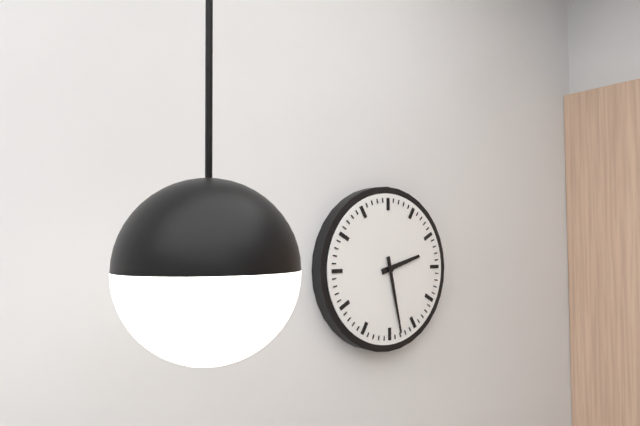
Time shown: 2:28
